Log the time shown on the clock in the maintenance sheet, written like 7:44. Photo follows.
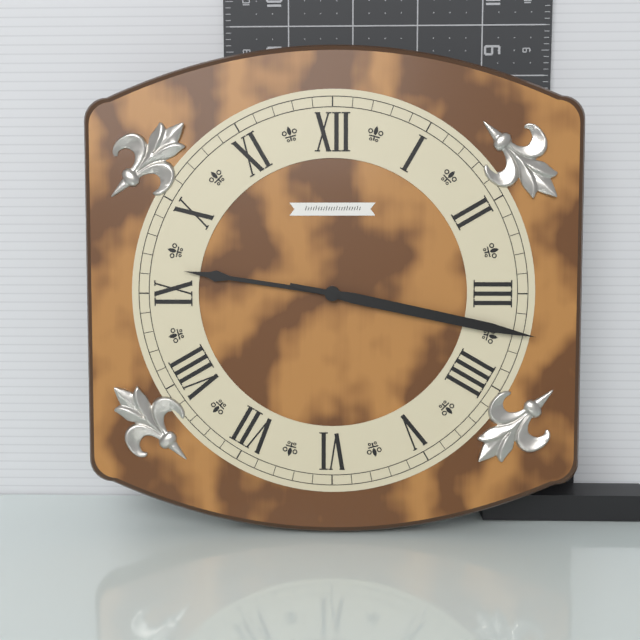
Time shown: 9:17
